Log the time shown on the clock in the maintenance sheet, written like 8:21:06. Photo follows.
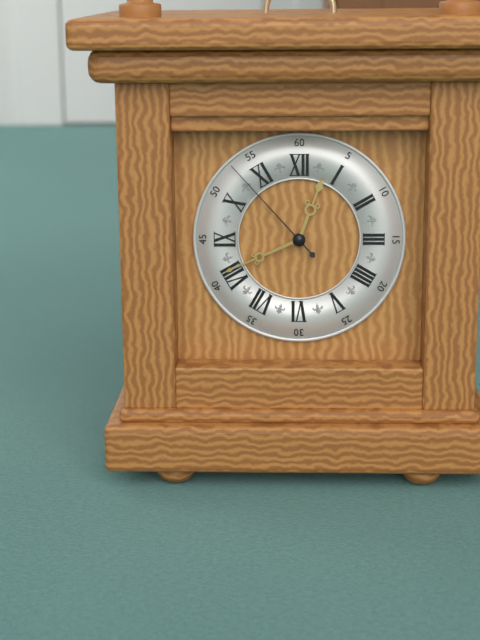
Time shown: 12:41:53
